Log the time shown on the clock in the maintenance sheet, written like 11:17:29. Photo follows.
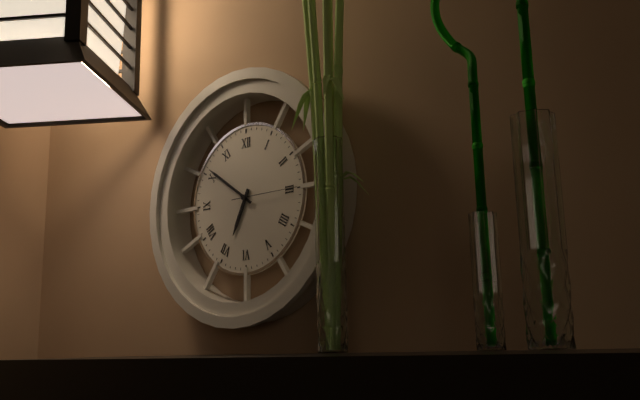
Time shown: 6:51:15
